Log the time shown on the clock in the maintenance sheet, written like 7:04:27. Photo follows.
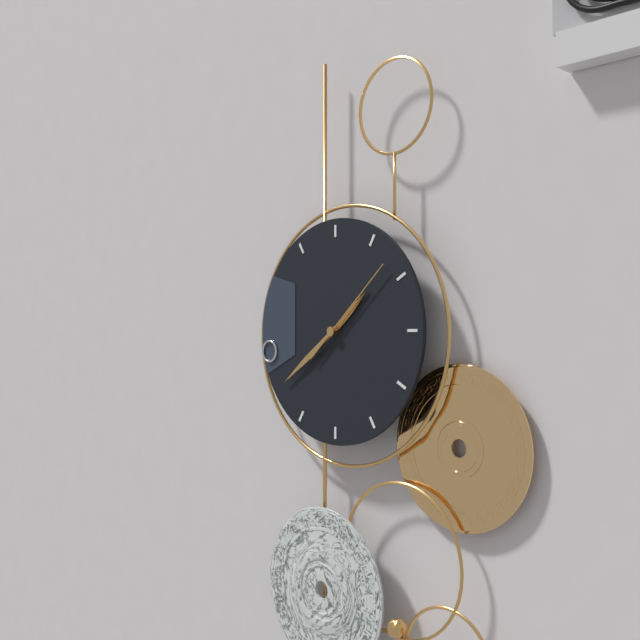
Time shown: 1:39:08
